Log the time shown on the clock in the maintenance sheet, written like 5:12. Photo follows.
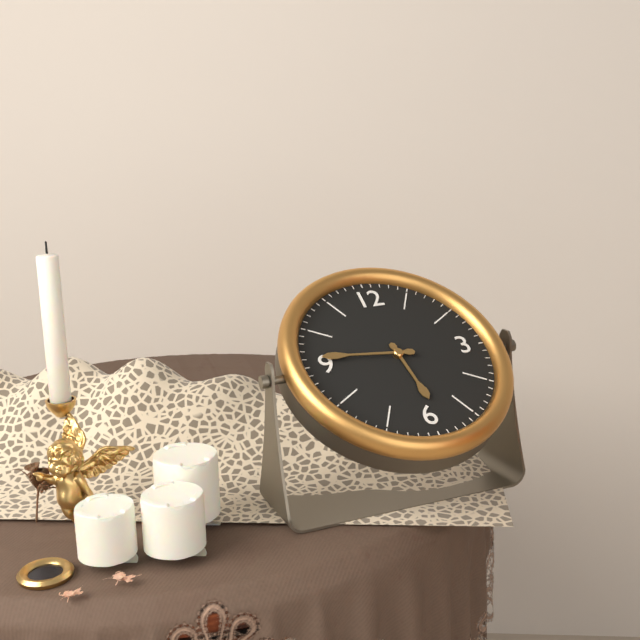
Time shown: 5:46
